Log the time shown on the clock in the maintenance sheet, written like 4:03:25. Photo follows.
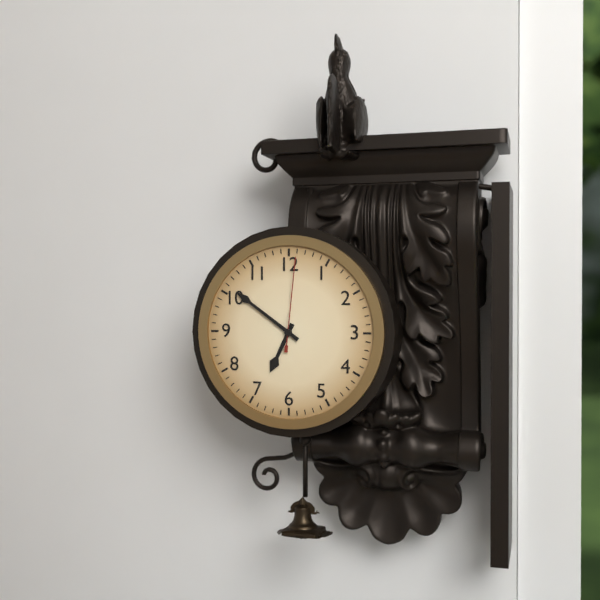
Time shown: 6:51:01
